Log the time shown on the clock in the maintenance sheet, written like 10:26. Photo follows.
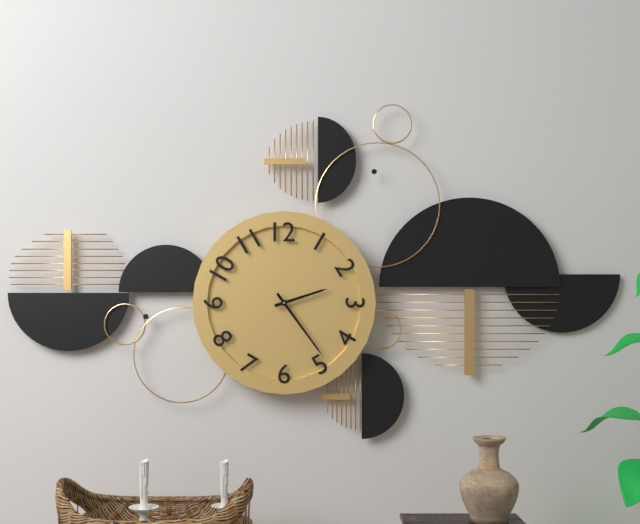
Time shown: 2:24
